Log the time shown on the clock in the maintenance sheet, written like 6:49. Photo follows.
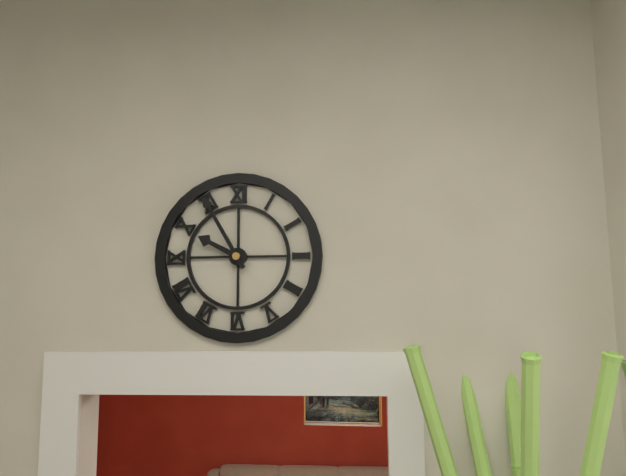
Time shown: 9:55
